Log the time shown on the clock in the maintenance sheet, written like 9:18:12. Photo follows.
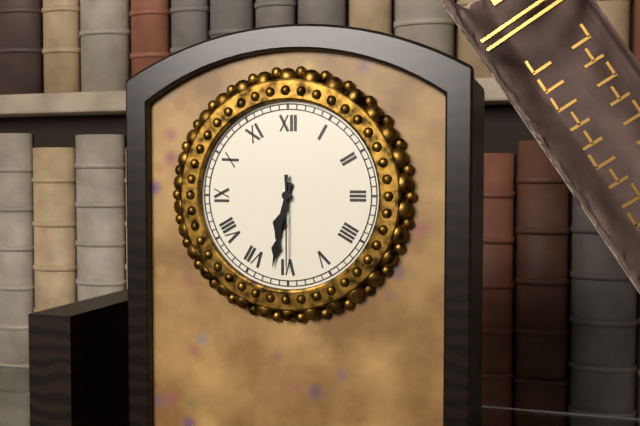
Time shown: 6:32:30
